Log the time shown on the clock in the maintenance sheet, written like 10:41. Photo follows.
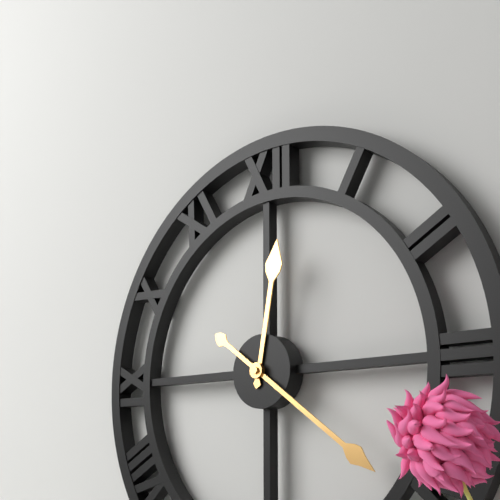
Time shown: 12:21
